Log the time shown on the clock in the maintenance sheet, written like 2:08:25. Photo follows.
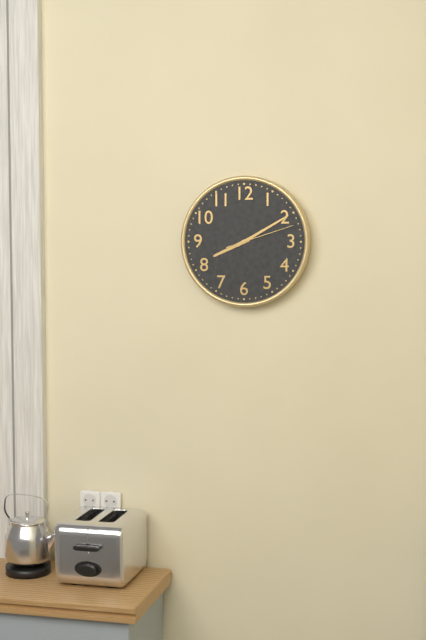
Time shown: 8:10:12
